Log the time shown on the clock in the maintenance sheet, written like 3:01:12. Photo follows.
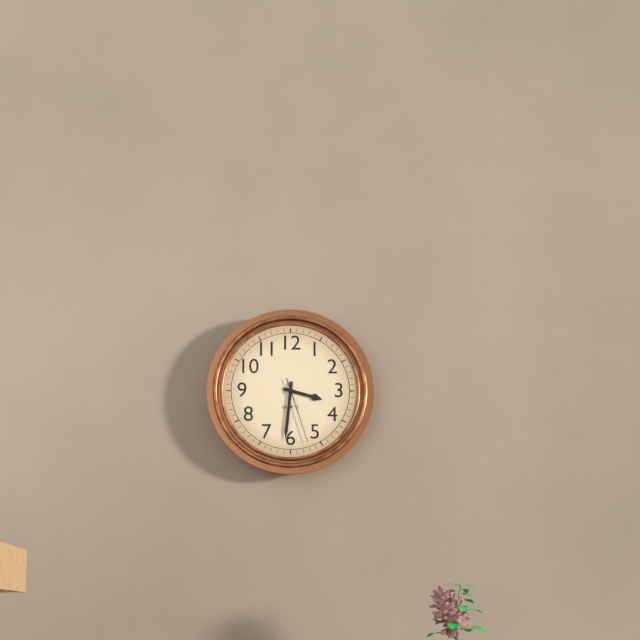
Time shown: 3:31:27
